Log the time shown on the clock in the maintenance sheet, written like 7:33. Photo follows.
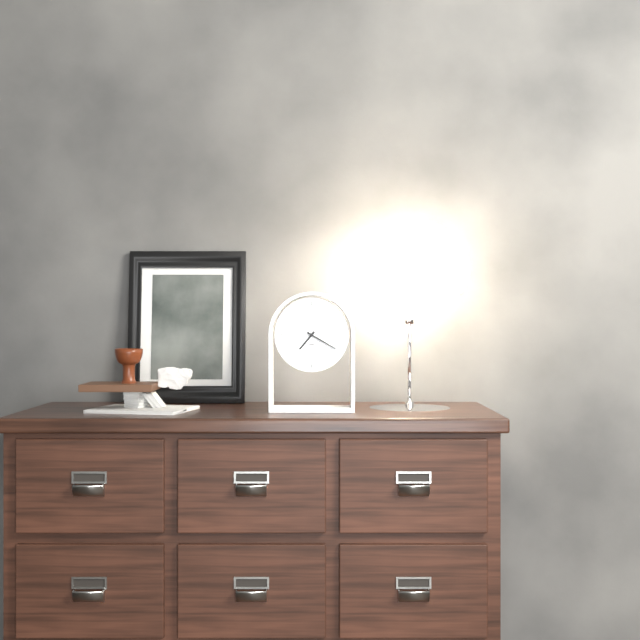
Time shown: 7:20
